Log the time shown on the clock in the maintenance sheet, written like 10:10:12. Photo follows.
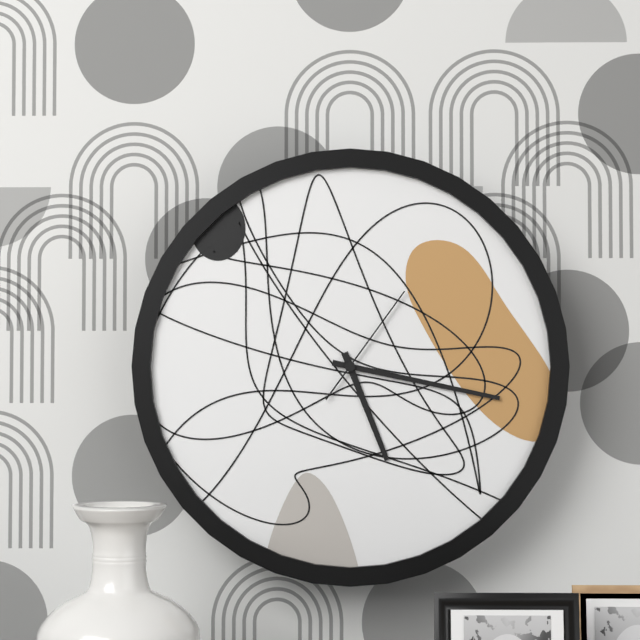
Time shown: 5:17:06
